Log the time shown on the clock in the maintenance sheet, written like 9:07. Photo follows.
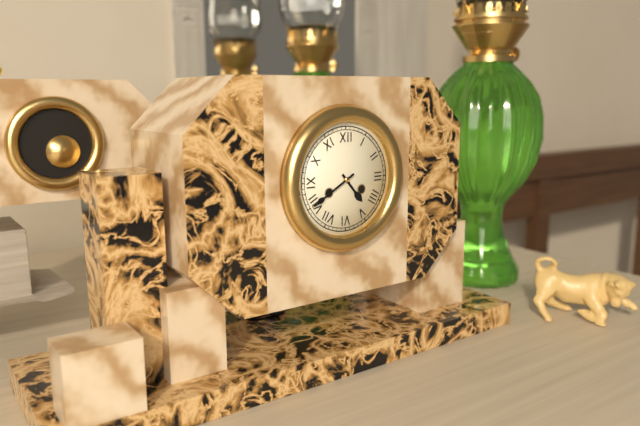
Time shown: 4:40
